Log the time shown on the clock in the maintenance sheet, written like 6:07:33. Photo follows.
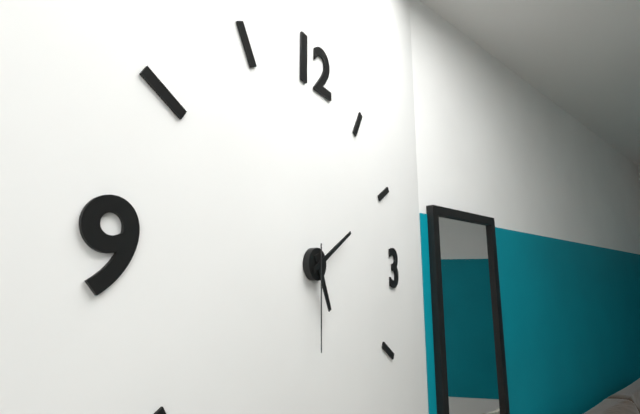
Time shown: 5:10:30
